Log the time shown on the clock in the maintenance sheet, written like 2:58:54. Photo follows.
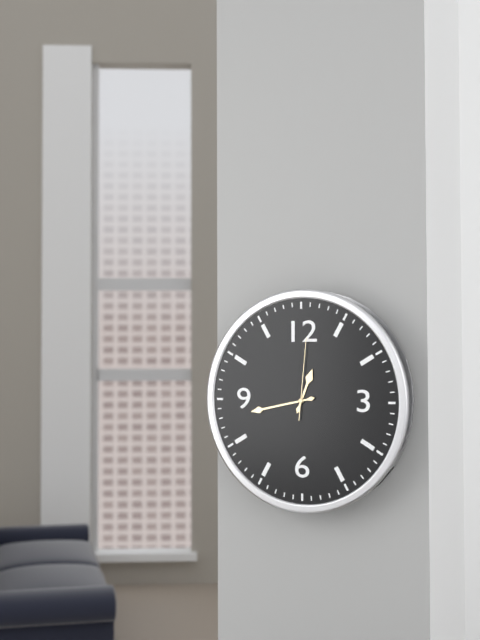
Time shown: 12:43:01
